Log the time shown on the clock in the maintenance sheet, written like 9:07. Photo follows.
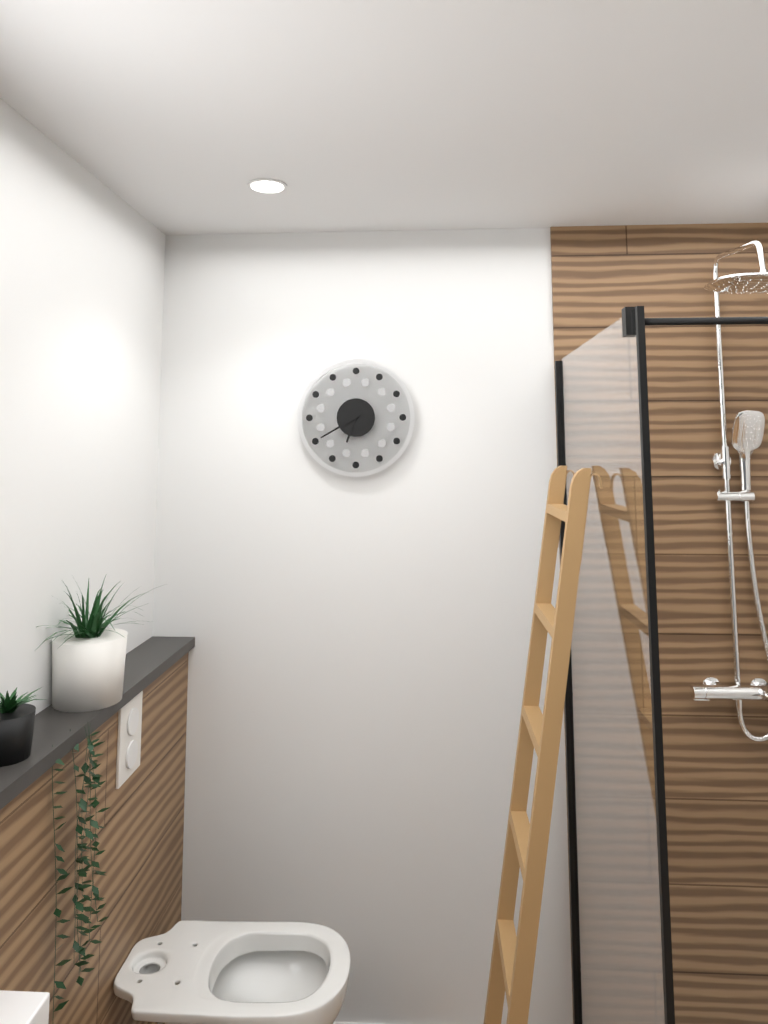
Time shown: 6:40
